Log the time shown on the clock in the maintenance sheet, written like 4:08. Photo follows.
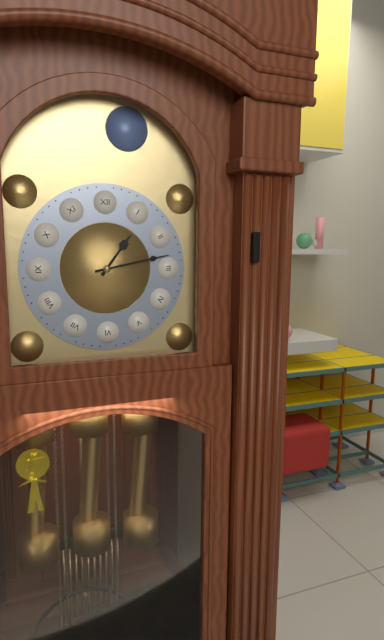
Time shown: 1:13
